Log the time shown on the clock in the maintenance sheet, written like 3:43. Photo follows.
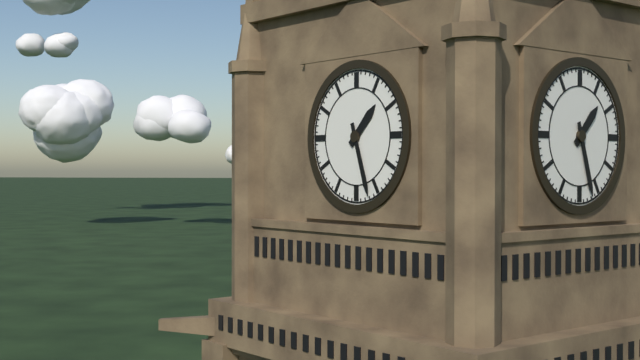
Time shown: 1:27
